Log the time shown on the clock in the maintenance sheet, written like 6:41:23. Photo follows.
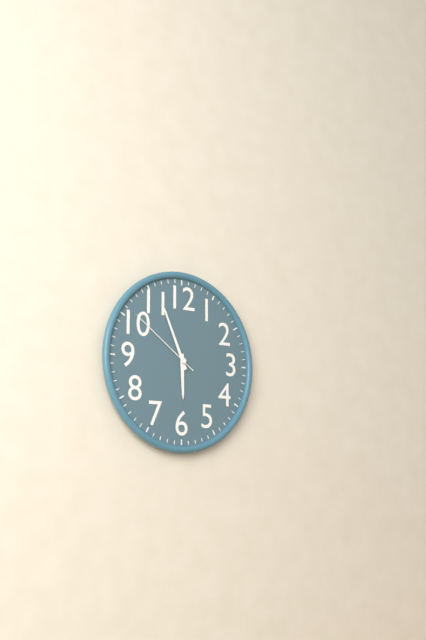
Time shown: 5:56:51
